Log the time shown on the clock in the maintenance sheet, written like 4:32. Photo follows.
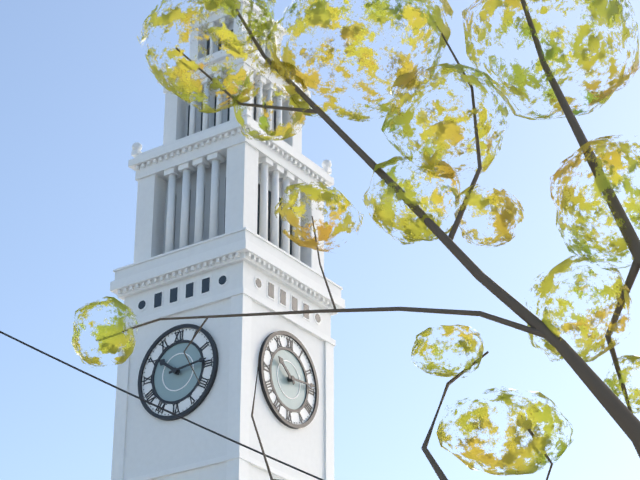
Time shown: 10:14
